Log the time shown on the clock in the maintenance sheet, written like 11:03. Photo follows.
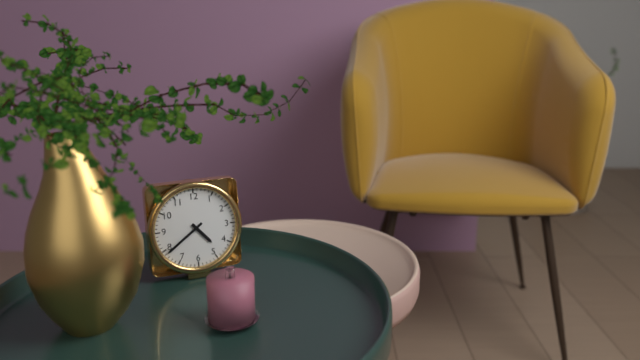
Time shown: 4:39
